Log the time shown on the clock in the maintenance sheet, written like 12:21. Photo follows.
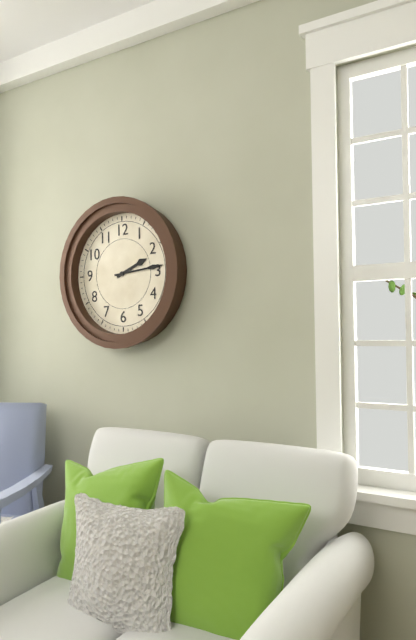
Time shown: 2:14
